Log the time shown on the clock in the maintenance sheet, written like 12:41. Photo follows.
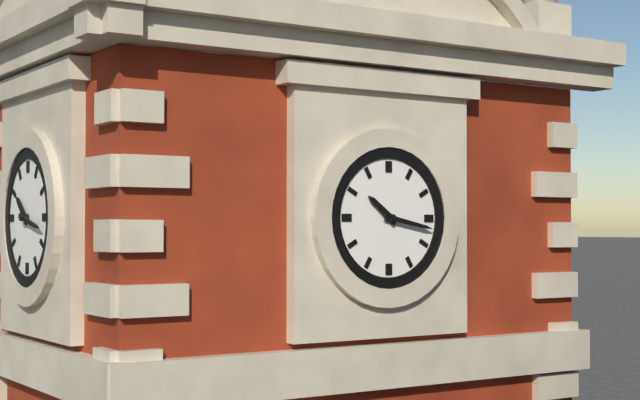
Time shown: 10:17
